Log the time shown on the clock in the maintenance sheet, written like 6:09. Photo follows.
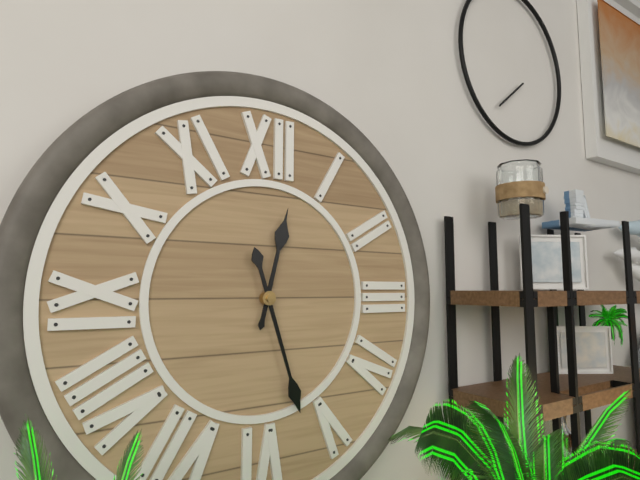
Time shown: 12:27
